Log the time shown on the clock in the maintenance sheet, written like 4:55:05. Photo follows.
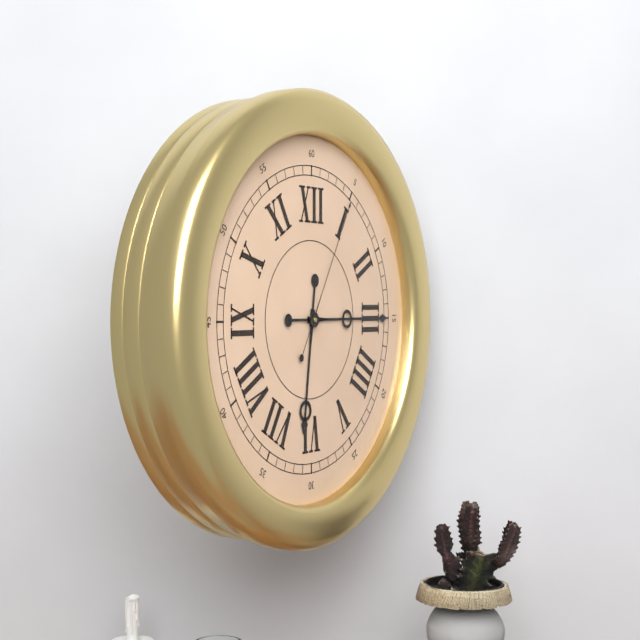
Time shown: 6:15:05
